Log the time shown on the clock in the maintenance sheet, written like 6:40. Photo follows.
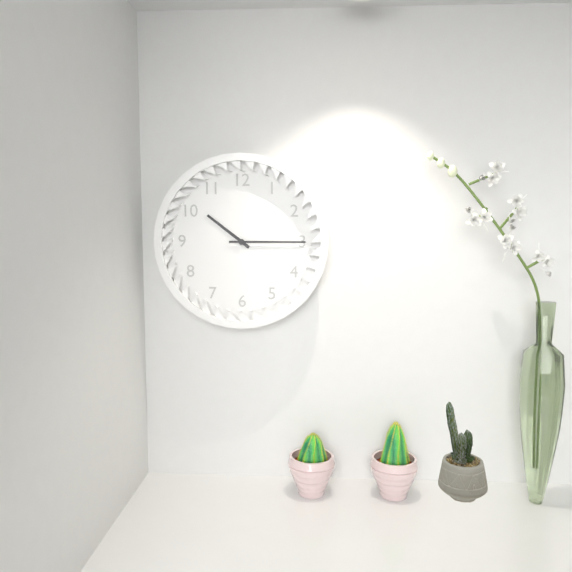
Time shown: 10:15
